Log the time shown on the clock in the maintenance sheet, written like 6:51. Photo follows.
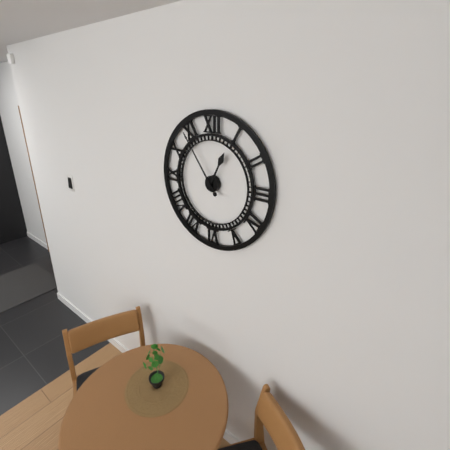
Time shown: 12:54
